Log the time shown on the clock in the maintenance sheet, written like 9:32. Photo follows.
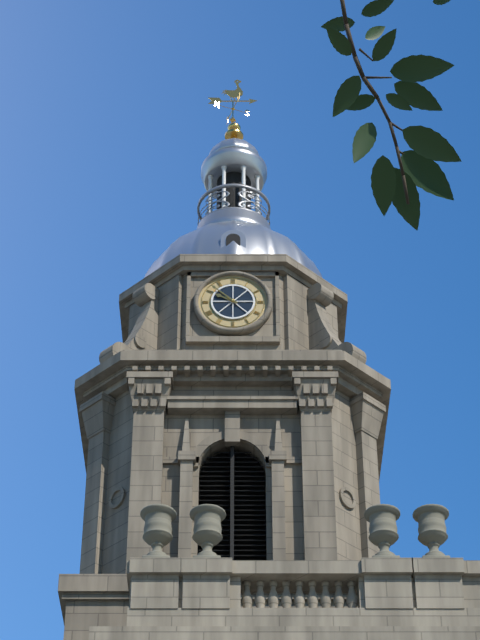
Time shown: 9:52
